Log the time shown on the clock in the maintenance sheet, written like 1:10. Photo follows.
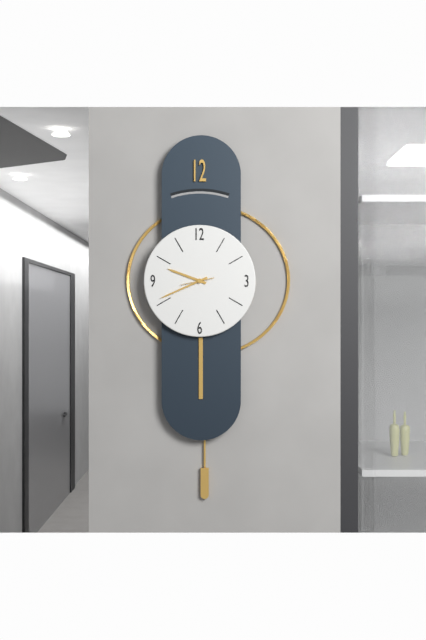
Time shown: 9:41
